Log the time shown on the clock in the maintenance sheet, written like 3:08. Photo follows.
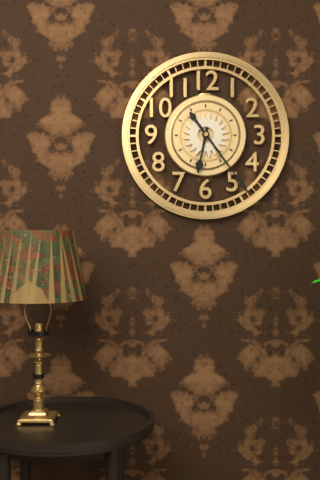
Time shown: 6:24
